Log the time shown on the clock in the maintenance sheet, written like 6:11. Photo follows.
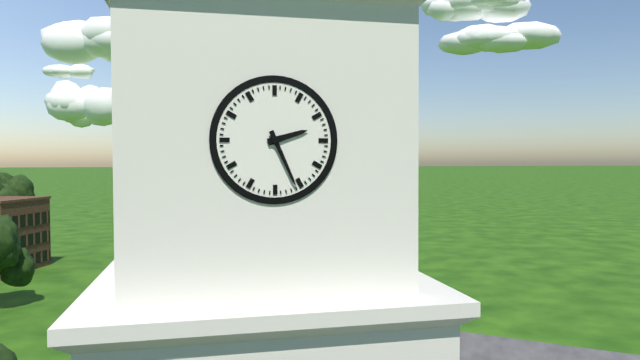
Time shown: 2:26
